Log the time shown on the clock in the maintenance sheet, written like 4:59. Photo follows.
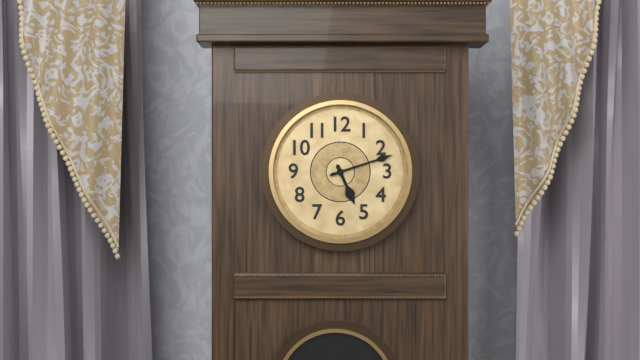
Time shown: 5:12
